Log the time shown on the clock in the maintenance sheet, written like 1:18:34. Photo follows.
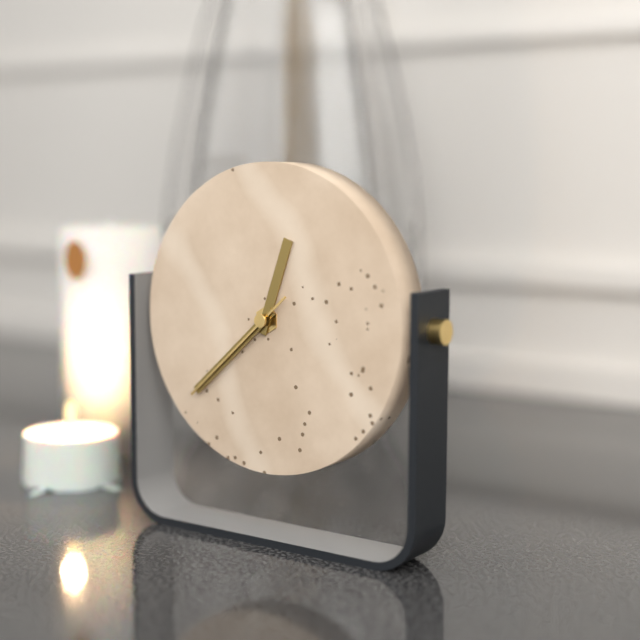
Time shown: 12:38:38
